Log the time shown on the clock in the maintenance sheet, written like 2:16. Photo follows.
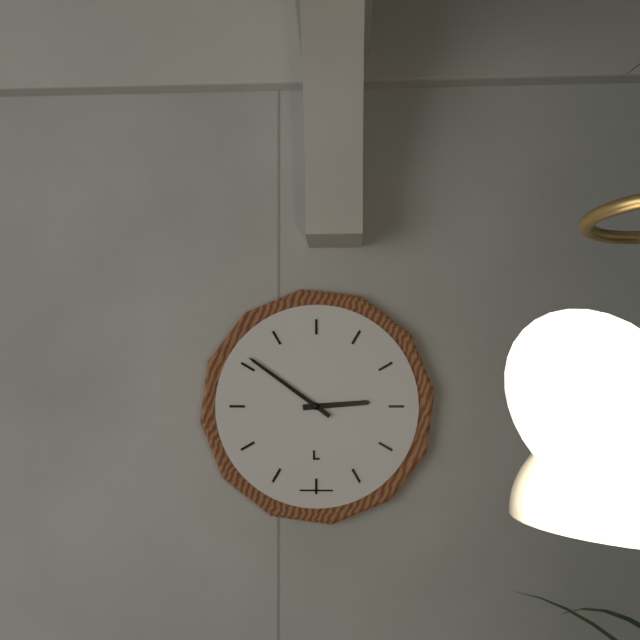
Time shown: 2:51
